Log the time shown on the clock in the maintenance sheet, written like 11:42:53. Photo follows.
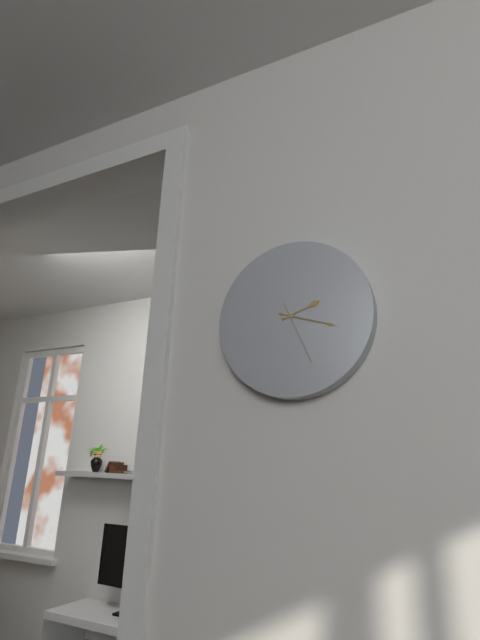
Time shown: 2:18:26
